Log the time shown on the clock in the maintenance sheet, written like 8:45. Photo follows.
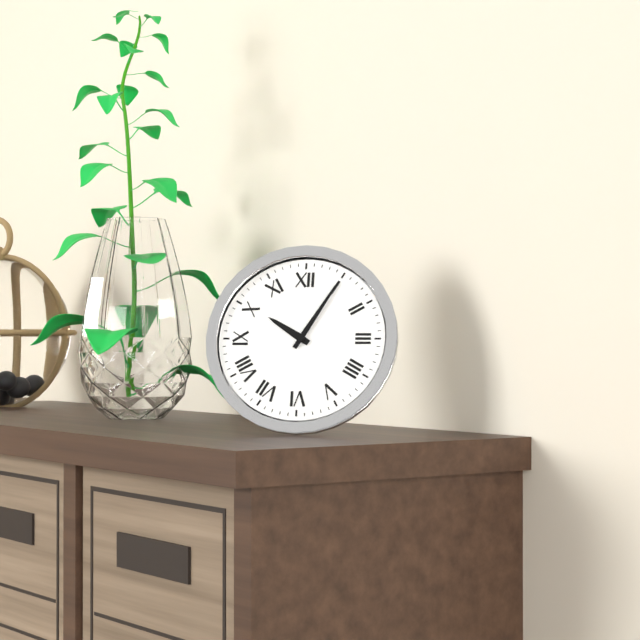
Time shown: 10:05
